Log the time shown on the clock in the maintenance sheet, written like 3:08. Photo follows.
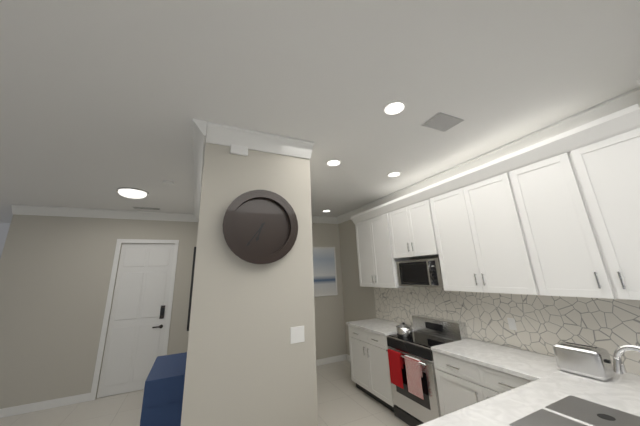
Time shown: 6:36
